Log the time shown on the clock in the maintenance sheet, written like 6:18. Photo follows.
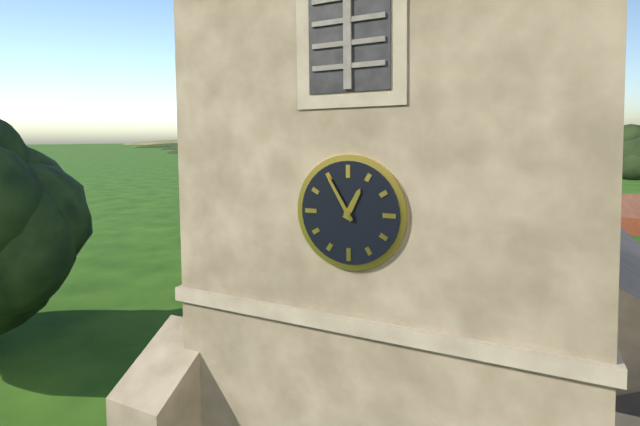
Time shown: 12:55
